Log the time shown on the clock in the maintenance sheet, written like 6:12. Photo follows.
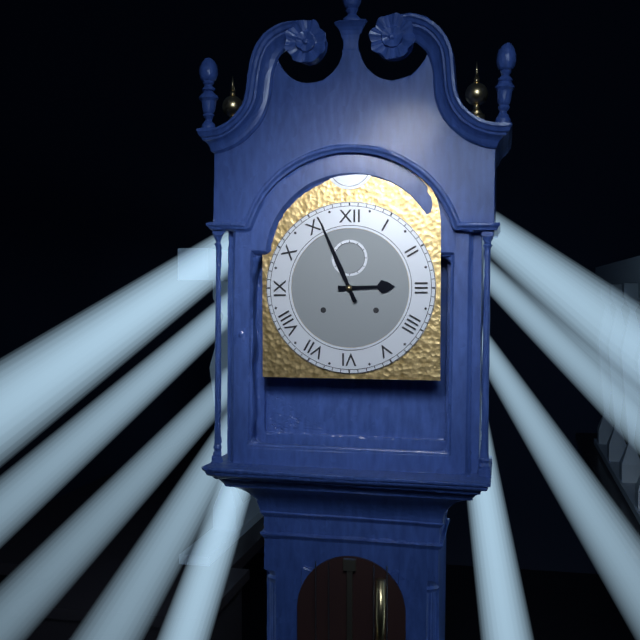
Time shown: 2:56
